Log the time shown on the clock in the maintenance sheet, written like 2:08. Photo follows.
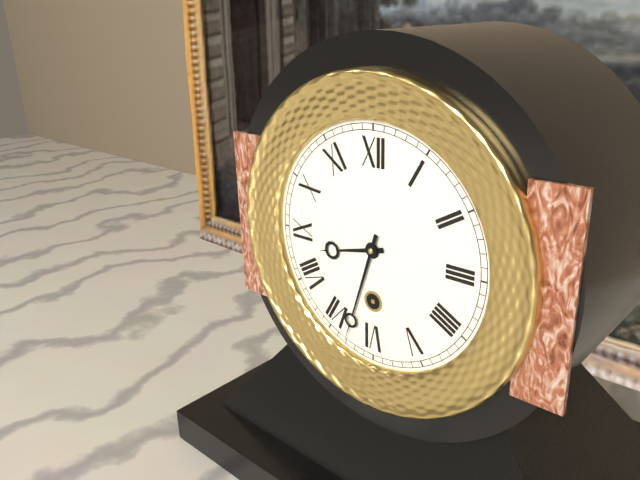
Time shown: 8:33
